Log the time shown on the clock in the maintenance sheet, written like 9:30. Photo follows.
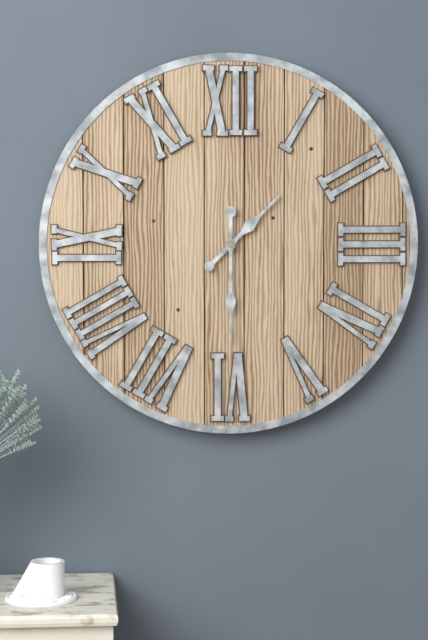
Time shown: 1:30
